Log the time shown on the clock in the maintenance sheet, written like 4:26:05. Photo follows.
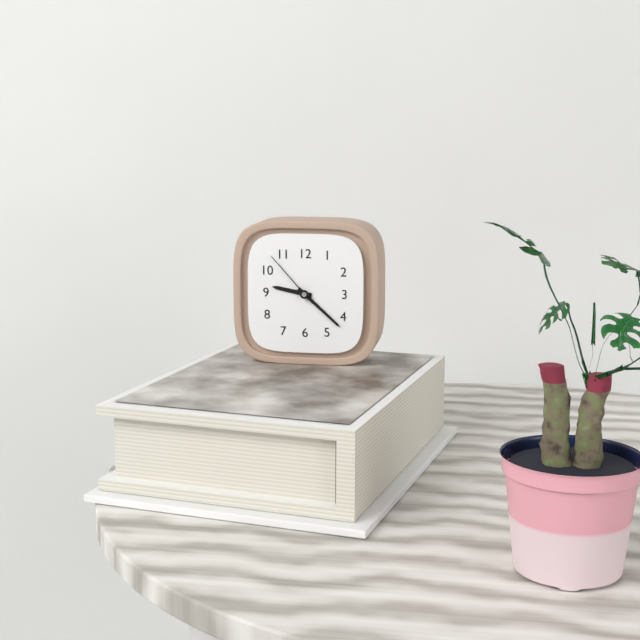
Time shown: 9:22:53
